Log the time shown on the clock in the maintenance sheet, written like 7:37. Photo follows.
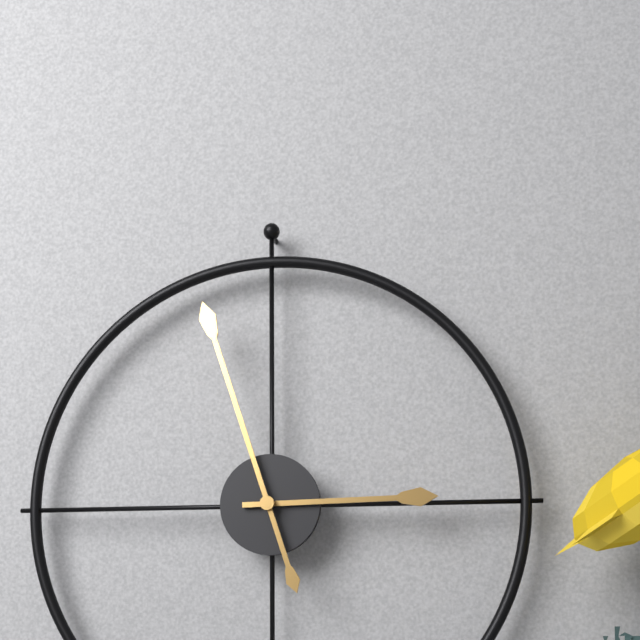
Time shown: 2:57
